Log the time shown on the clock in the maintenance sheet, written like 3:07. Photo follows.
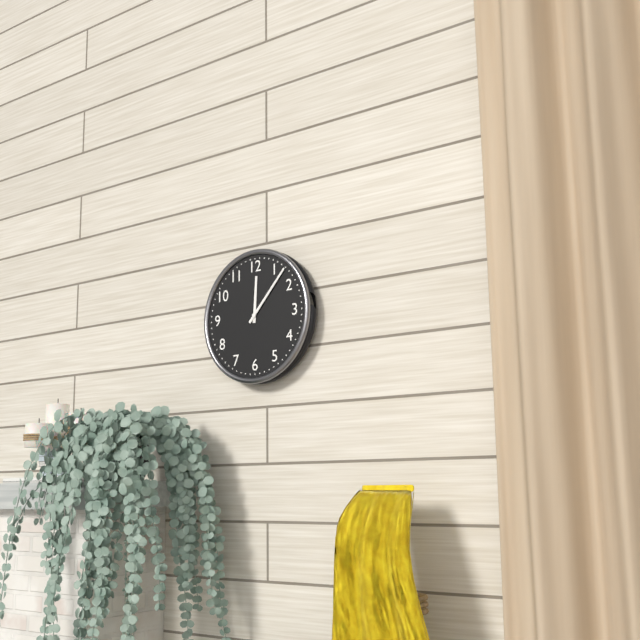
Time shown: 12:07
